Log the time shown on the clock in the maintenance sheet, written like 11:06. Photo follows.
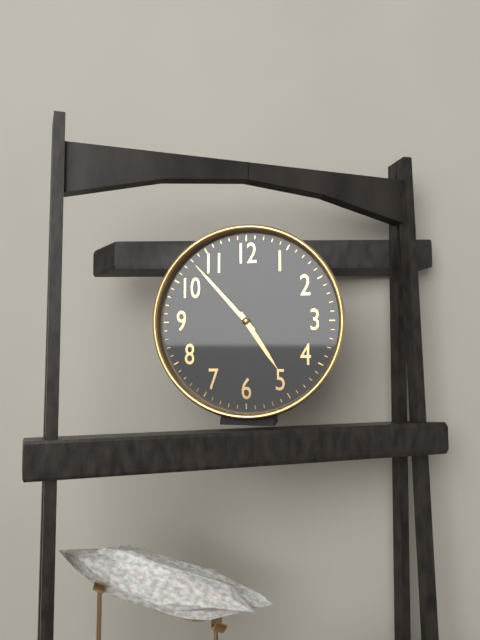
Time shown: 4:53
